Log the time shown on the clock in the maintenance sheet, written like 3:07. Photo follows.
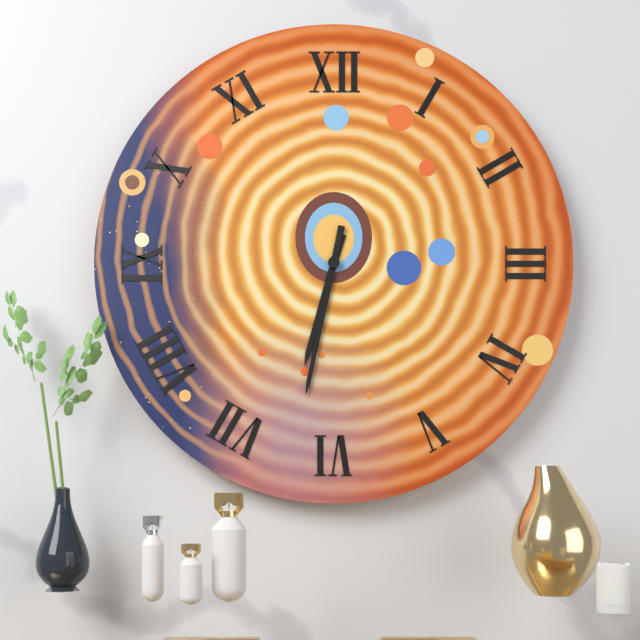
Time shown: 6:32
